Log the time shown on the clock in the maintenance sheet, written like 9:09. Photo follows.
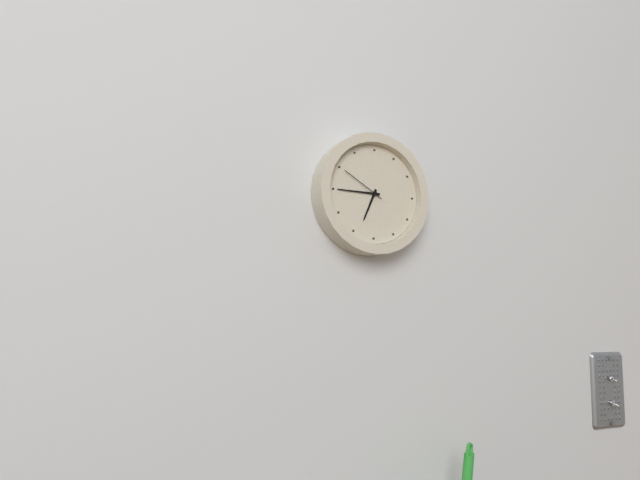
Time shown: 6:45
